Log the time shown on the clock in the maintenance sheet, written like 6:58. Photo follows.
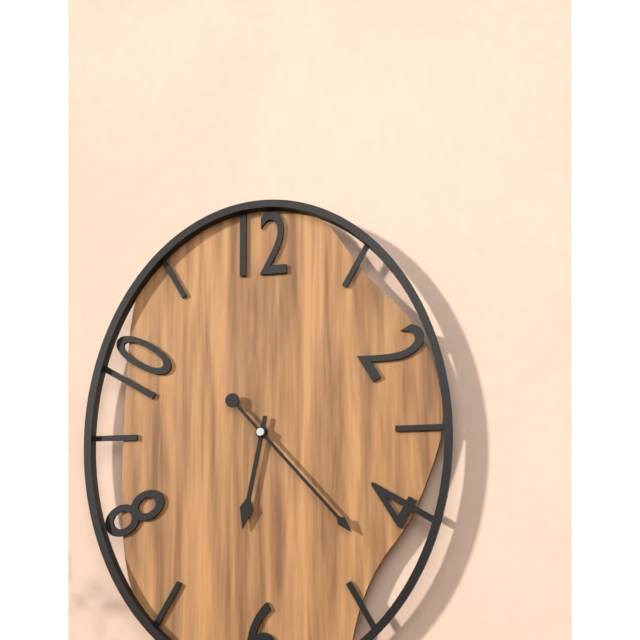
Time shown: 6:23
